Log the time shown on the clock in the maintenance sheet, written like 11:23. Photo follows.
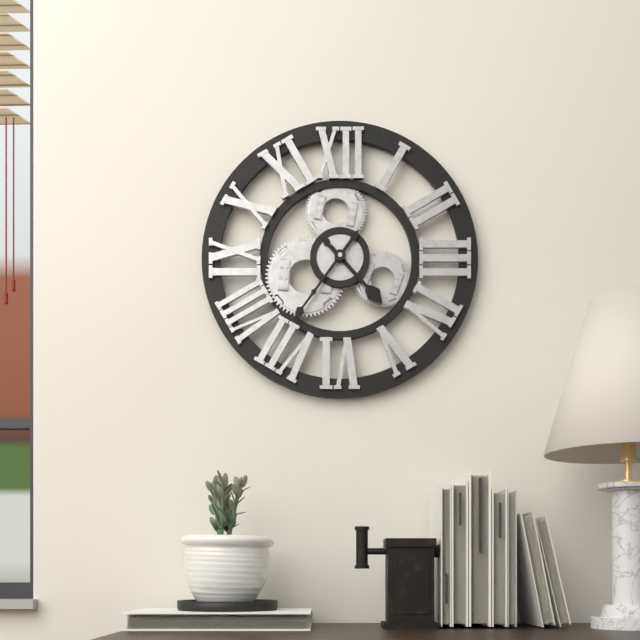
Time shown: 4:36
